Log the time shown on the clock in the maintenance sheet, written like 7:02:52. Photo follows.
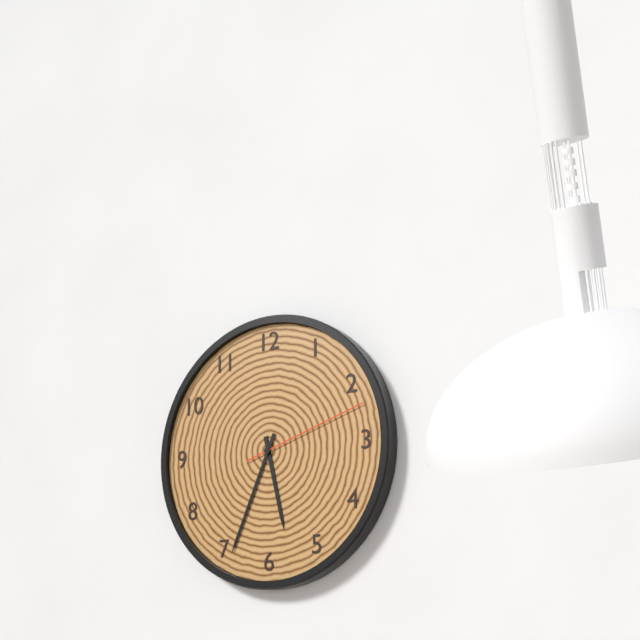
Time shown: 5:34:12
